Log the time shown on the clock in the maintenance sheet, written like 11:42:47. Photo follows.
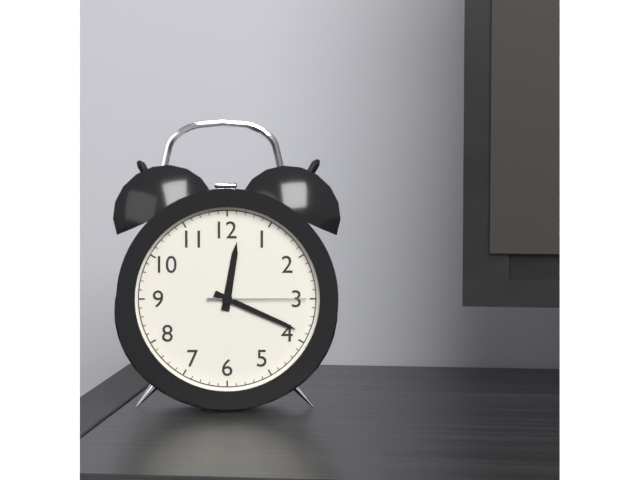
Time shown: 12:19:15
